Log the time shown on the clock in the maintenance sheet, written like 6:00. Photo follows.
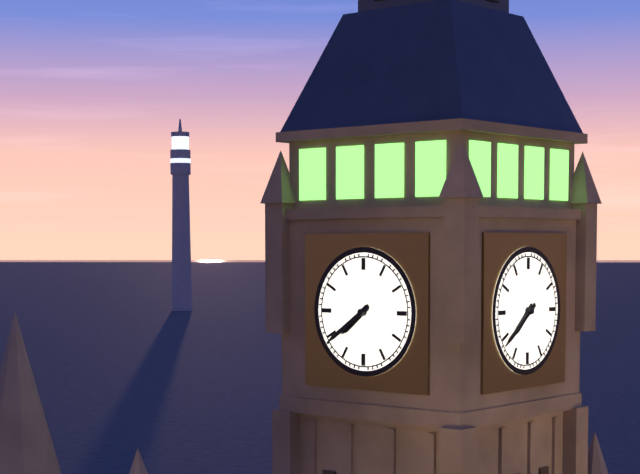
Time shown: 7:39
